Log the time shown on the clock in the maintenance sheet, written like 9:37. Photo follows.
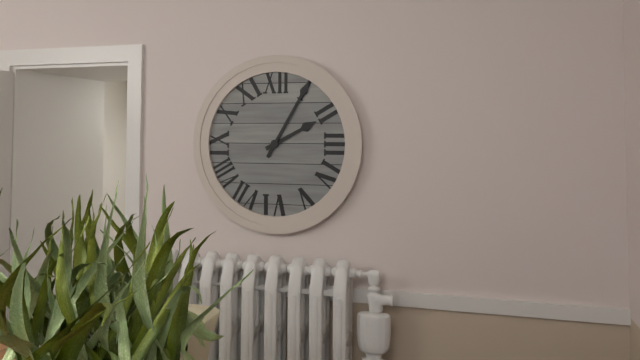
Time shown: 2:05
